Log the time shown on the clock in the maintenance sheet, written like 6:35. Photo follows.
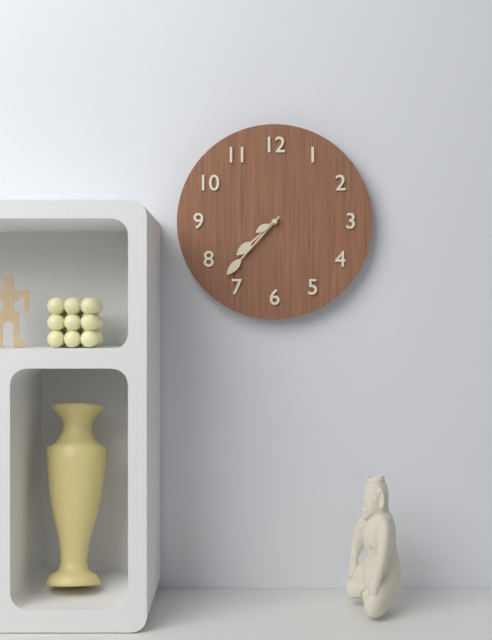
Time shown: 7:37
